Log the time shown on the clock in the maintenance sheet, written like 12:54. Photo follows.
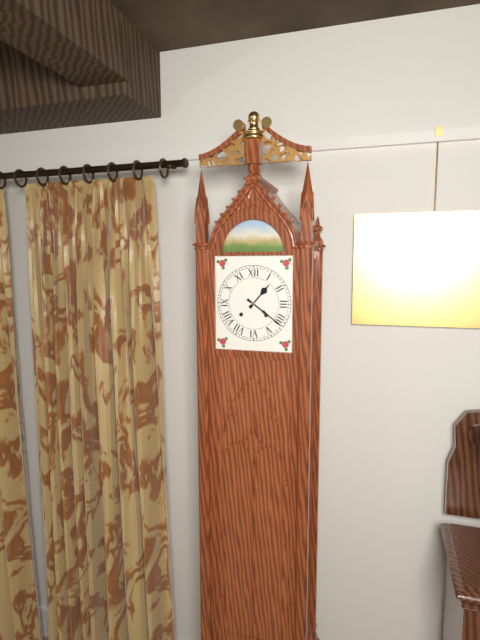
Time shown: 1:21
